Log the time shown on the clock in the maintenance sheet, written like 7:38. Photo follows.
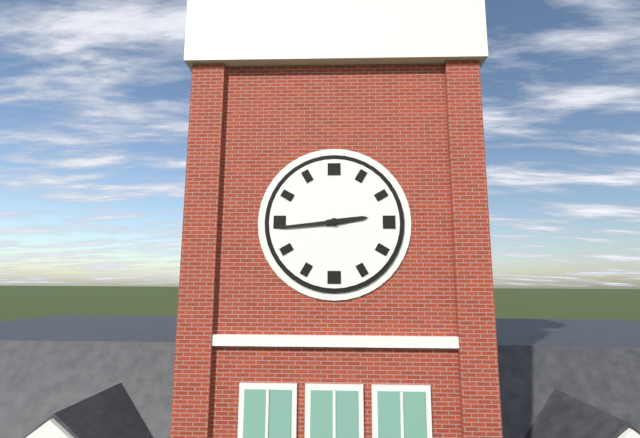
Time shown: 2:44
